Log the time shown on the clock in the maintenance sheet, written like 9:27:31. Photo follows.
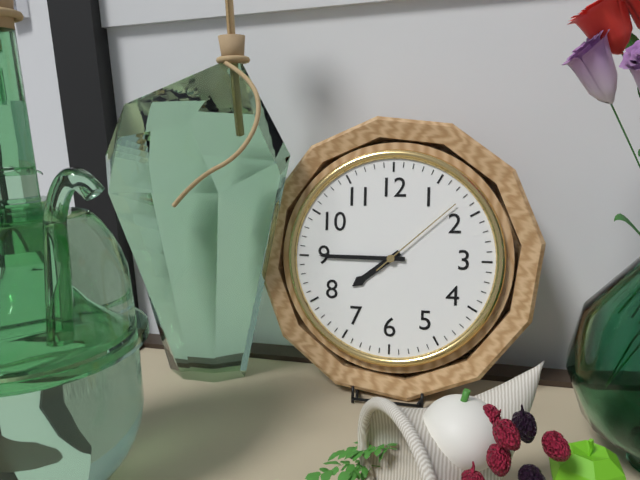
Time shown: 7:45:08
